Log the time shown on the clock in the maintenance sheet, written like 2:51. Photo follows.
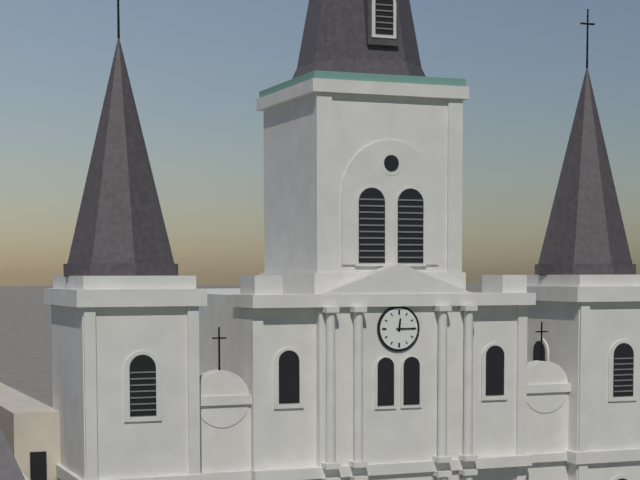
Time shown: 12:15
